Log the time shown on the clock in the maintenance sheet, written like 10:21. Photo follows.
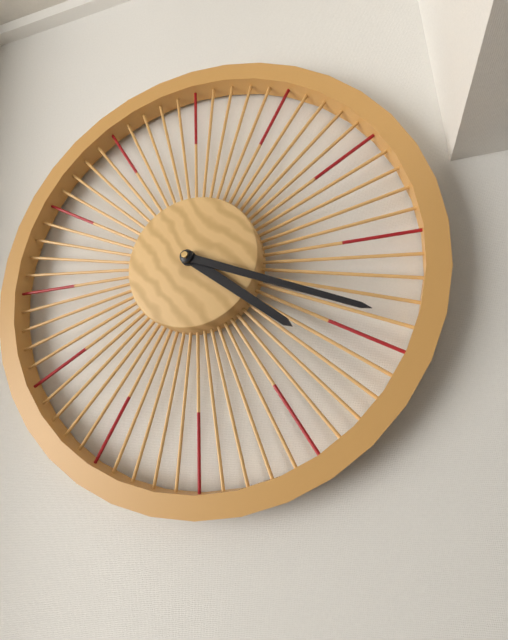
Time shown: 4:19
